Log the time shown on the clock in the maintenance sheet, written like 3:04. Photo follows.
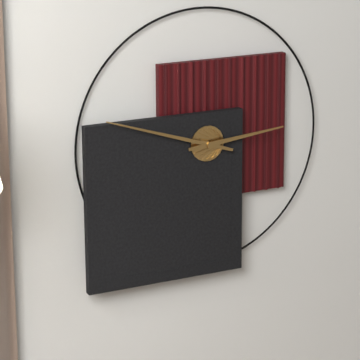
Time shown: 2:48
